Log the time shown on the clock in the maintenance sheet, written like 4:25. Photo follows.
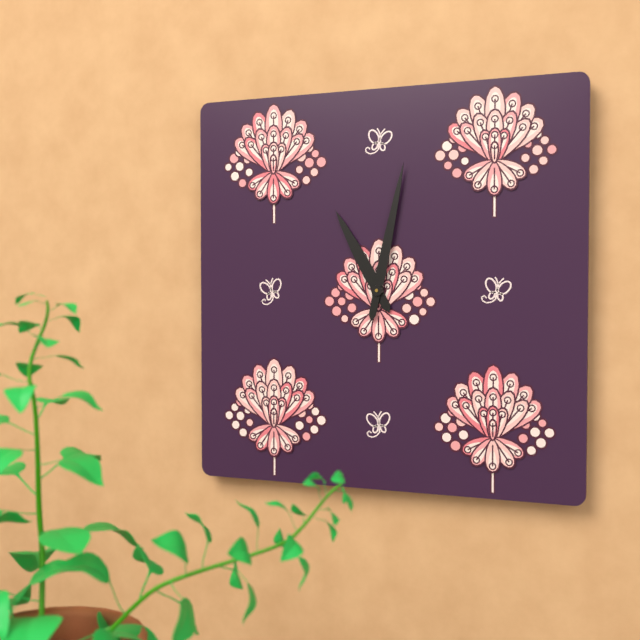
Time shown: 11:02
